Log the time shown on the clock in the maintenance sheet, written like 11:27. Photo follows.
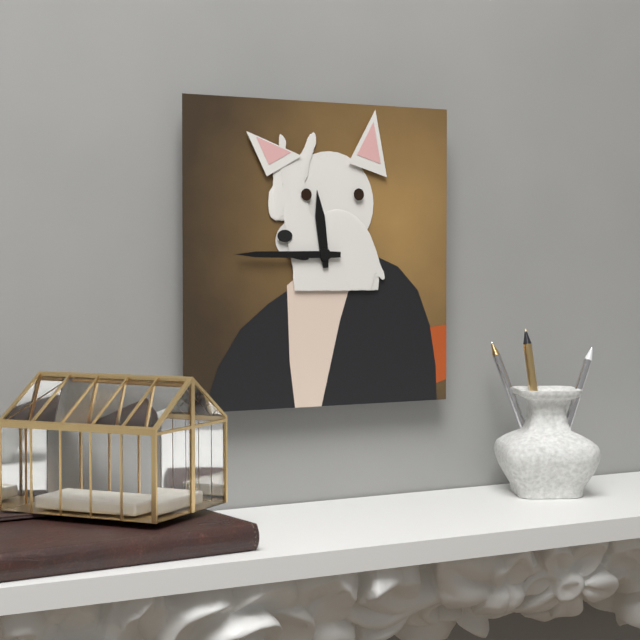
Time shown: 11:45
